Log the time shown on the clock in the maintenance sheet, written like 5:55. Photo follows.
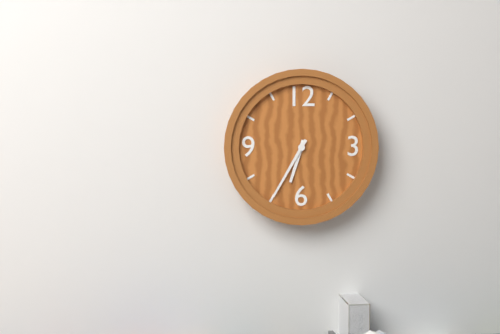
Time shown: 6:35
